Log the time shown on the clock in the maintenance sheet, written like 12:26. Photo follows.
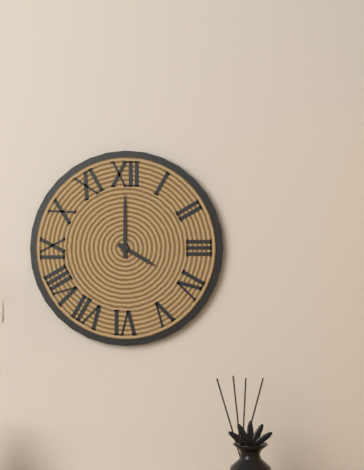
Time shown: 4:00
